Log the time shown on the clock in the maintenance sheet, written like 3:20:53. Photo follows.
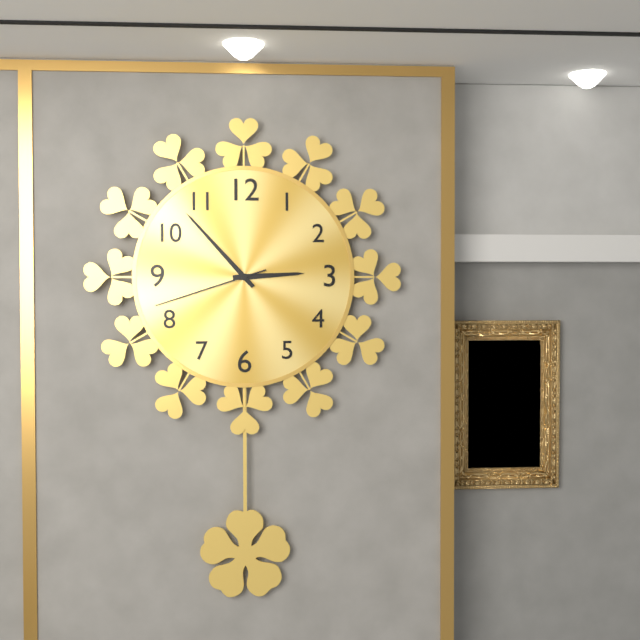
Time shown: 2:53:42
